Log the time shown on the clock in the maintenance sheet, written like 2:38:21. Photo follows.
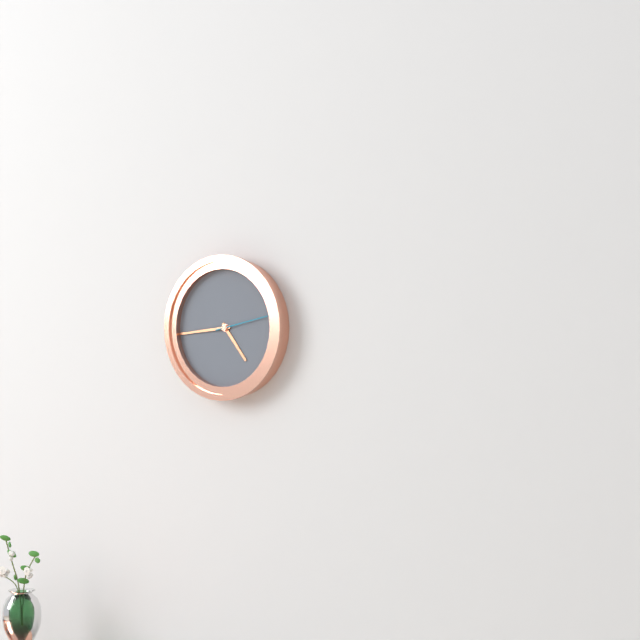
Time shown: 4:44:13
